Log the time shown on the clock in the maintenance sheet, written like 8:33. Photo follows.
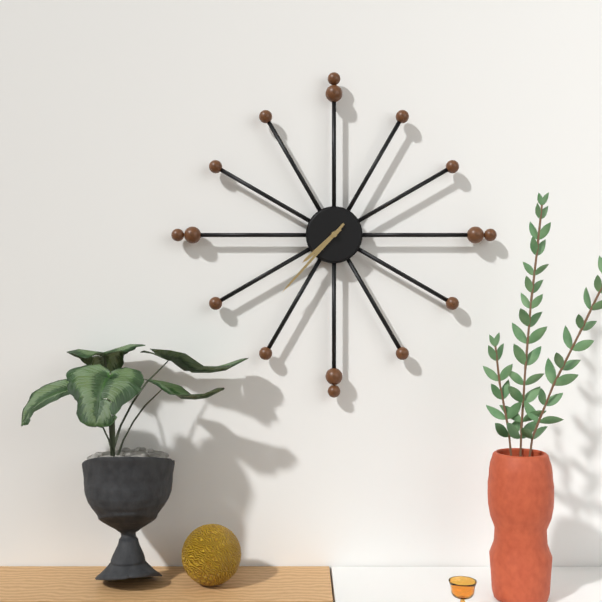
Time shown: 7:37
